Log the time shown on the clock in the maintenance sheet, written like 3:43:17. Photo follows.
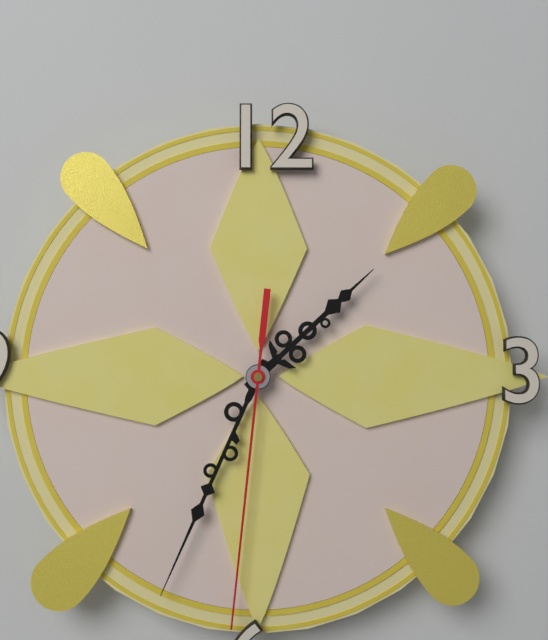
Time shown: 1:34:31
